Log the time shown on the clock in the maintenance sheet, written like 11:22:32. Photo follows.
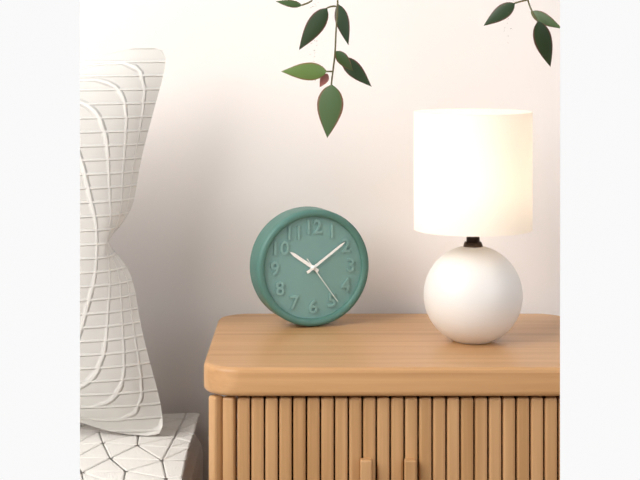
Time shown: 10:09:24
